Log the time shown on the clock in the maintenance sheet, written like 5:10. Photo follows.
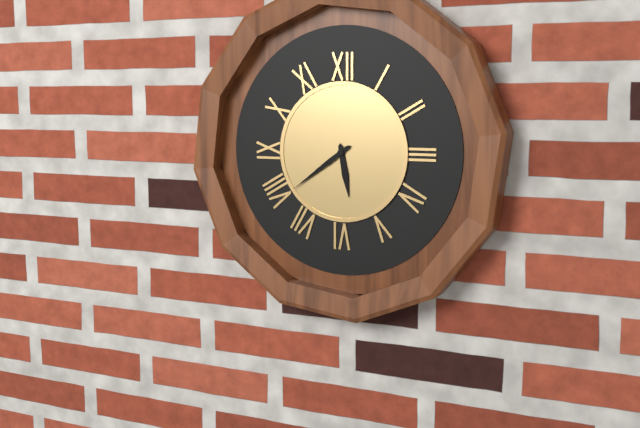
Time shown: 5:39
